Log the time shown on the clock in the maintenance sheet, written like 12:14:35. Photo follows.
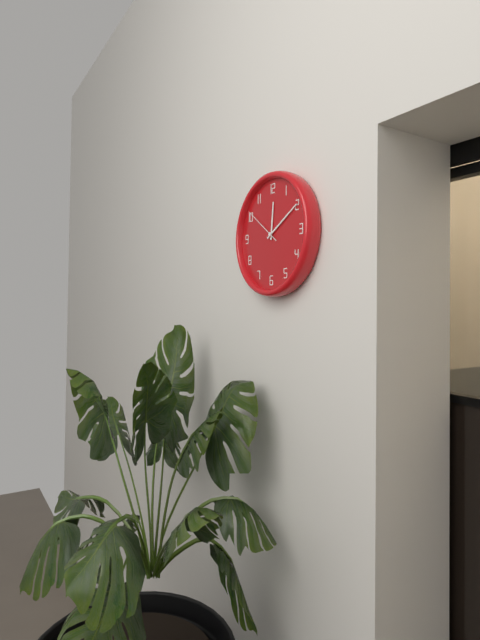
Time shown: 12:10:51
